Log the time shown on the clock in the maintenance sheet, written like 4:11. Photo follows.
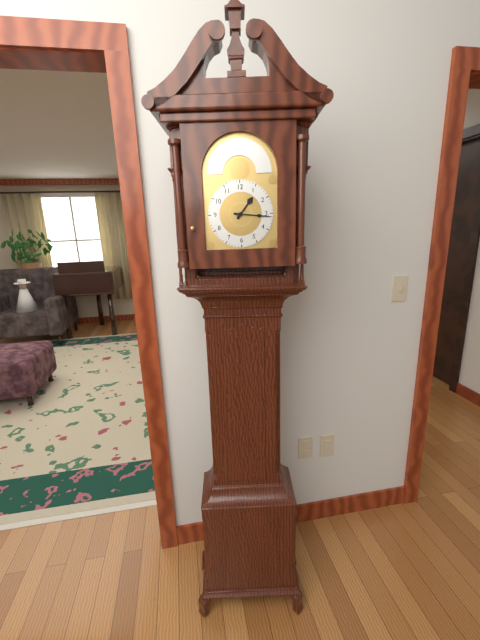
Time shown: 1:16
